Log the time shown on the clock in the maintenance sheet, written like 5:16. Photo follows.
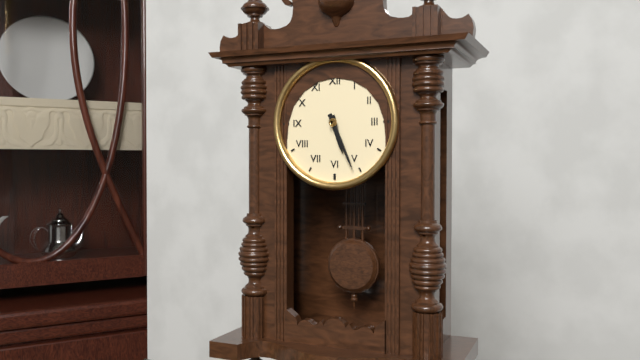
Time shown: 5:26
